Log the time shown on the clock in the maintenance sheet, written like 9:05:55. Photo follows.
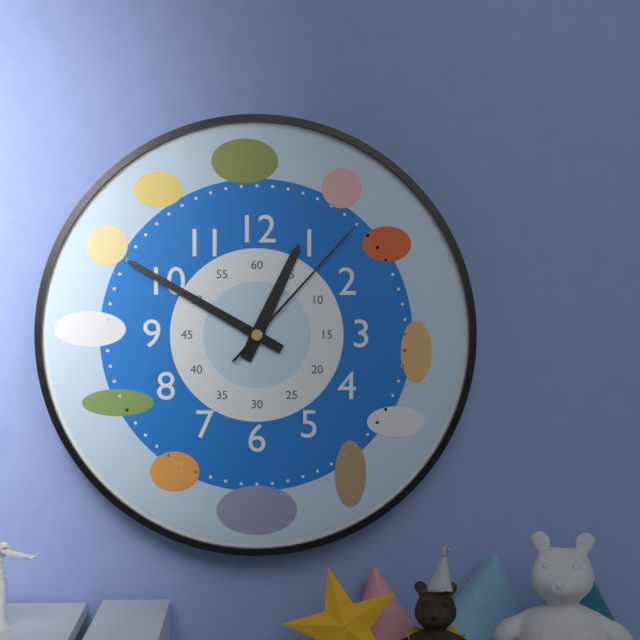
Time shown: 12:50:07
